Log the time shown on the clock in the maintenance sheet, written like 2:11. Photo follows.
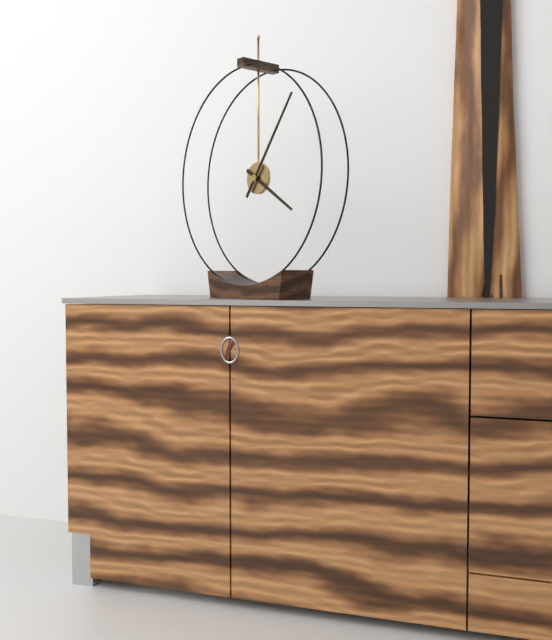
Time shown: 4:06
